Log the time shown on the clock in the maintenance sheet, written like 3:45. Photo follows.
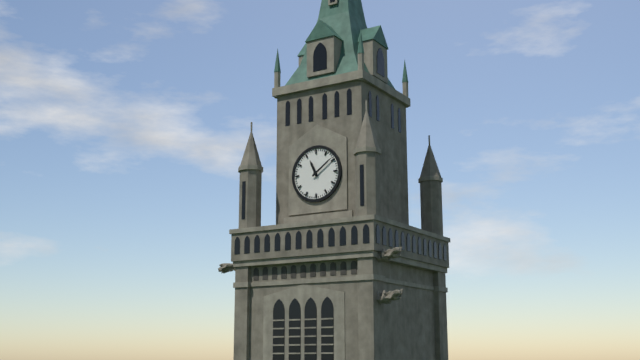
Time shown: 11:09
